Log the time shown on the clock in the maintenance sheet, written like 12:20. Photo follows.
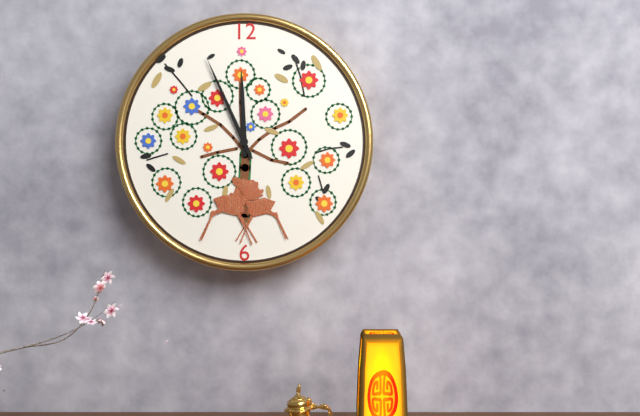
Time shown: 11:56
